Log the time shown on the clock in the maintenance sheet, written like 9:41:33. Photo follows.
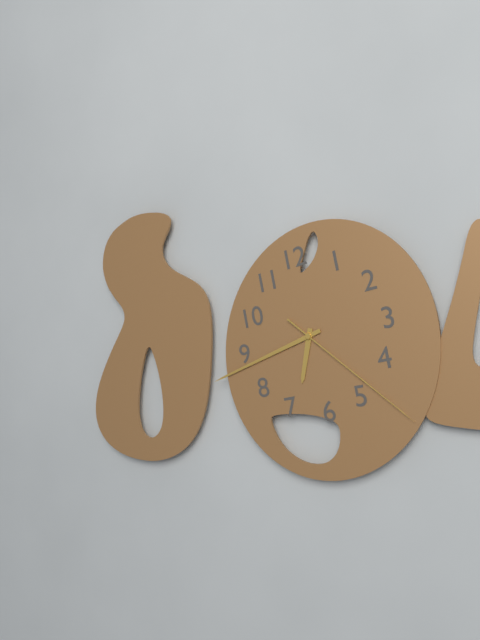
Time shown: 6:43:23
